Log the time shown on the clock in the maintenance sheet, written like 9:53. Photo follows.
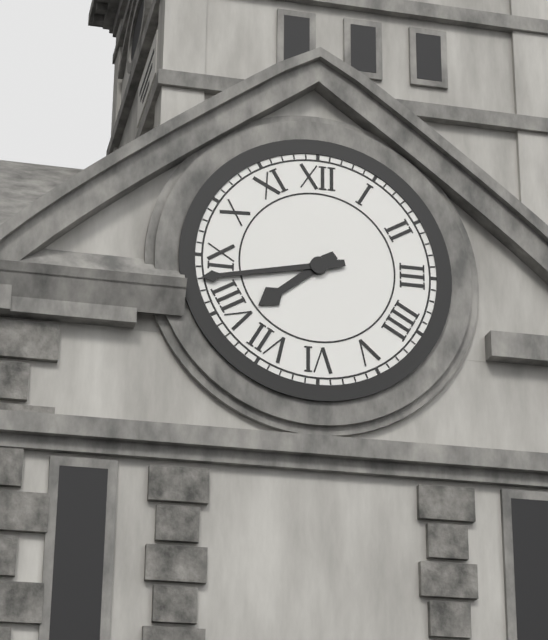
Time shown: 7:43
